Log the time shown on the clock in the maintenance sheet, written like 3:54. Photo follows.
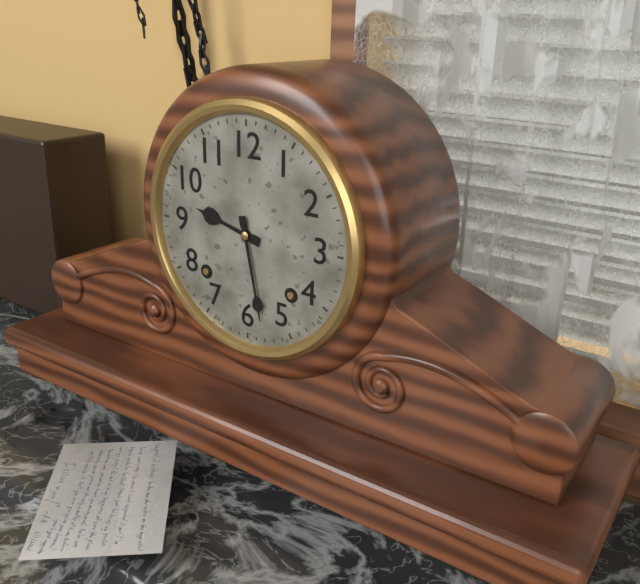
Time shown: 9:28
